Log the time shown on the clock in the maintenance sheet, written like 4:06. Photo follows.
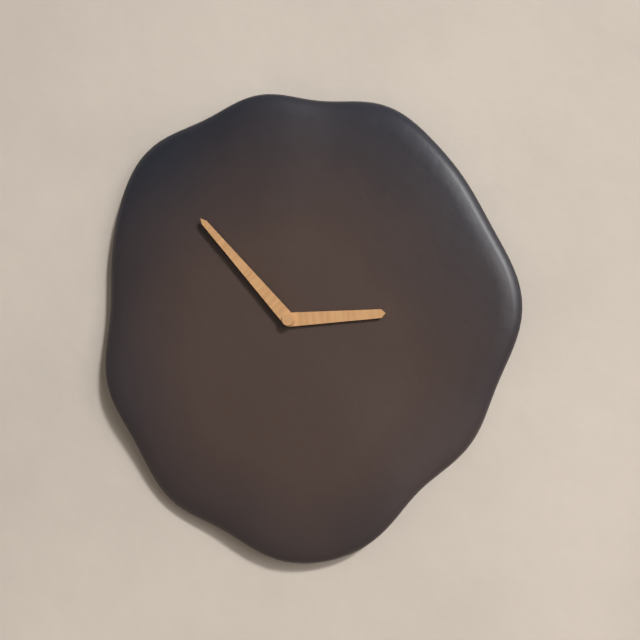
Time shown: 2:53
